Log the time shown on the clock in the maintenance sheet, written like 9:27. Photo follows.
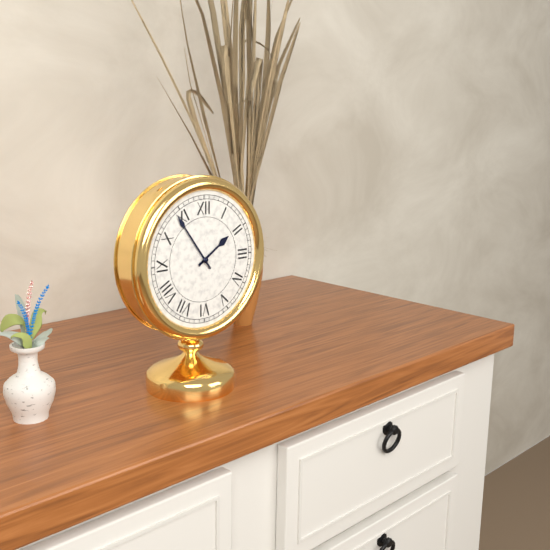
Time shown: 1:54
